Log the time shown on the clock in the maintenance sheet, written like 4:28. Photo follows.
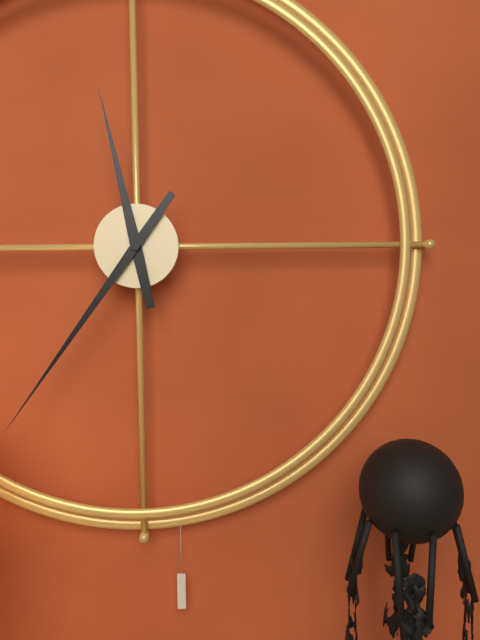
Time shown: 11:36
